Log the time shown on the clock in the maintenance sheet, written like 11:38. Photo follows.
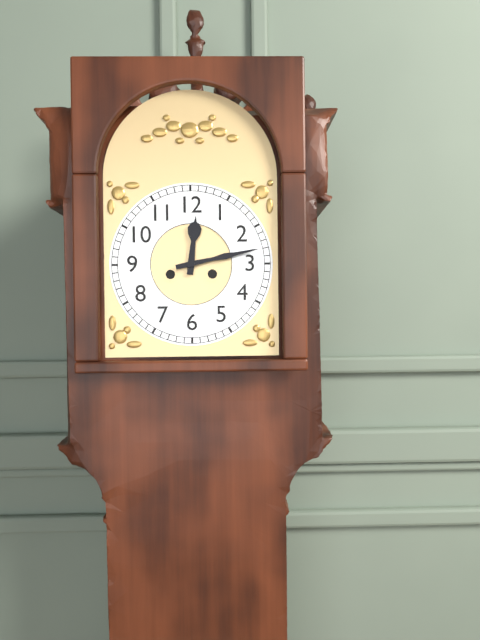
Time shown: 12:13
